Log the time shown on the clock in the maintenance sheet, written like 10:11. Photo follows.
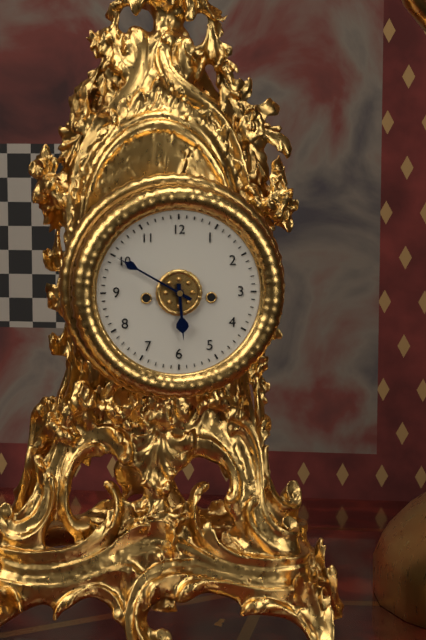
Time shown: 5:50
